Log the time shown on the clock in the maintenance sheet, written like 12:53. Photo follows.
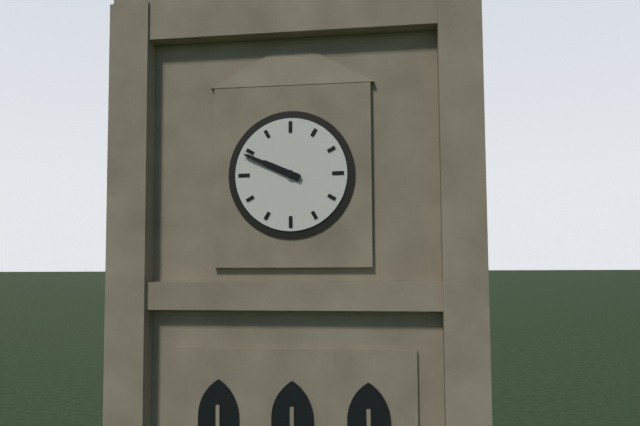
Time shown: 9:49
